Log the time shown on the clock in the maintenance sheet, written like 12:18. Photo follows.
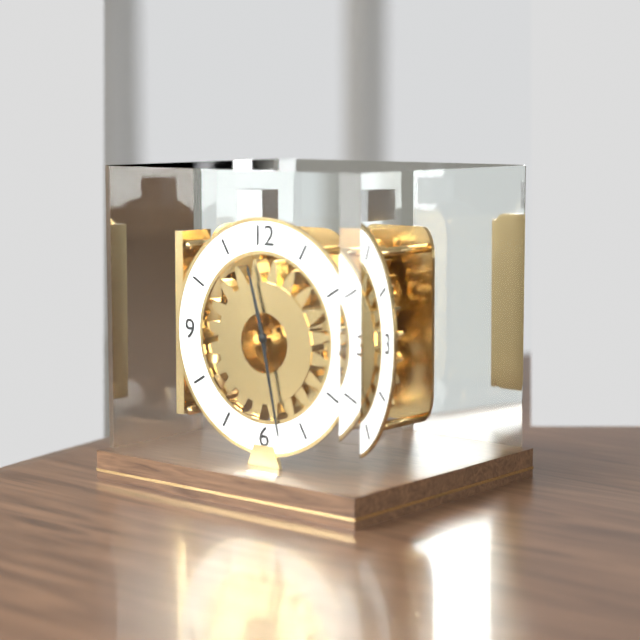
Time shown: 11:28
